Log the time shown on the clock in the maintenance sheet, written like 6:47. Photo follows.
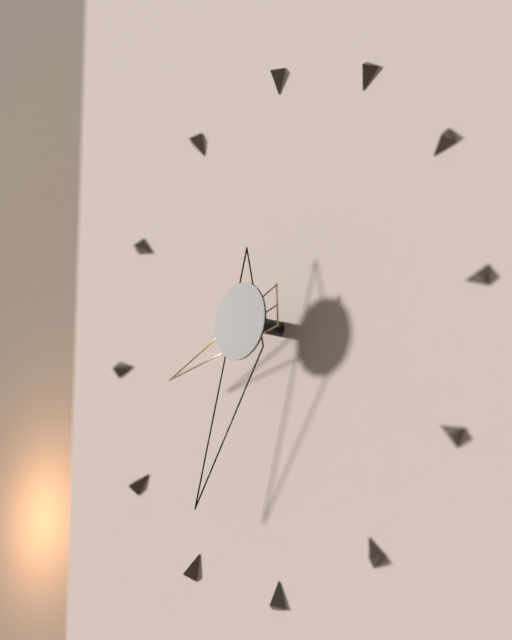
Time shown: 8:34
